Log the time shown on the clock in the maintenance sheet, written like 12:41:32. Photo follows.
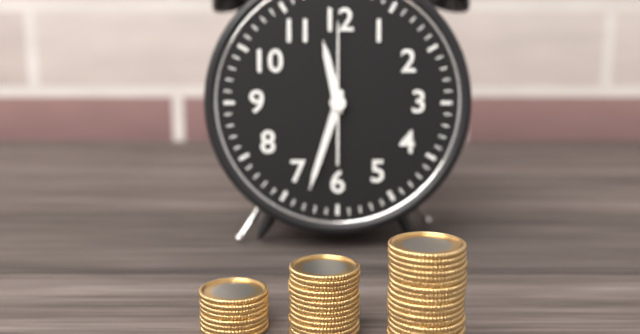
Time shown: 11:33:00
